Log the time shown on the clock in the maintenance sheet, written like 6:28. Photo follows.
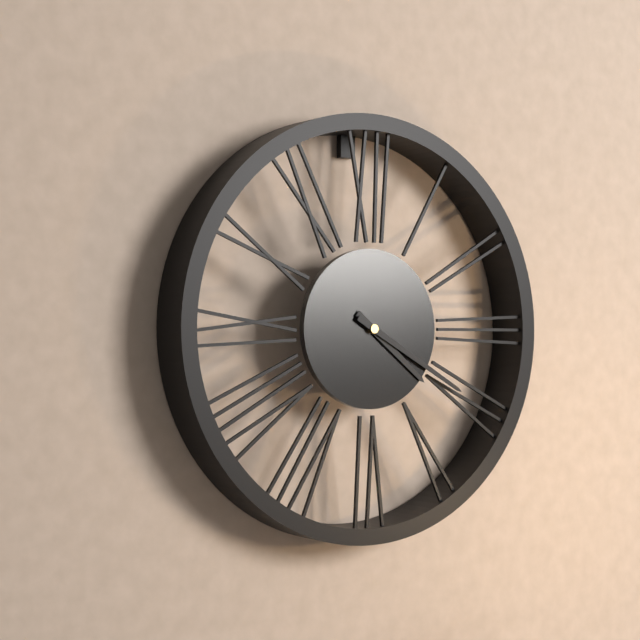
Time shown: 4:20
